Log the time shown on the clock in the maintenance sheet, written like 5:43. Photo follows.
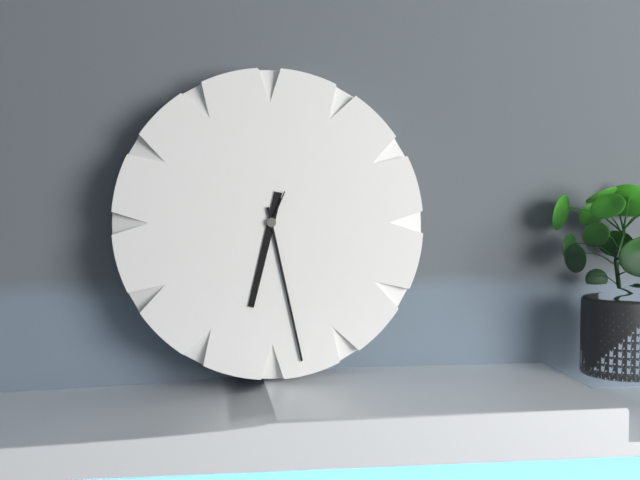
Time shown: 6:28
